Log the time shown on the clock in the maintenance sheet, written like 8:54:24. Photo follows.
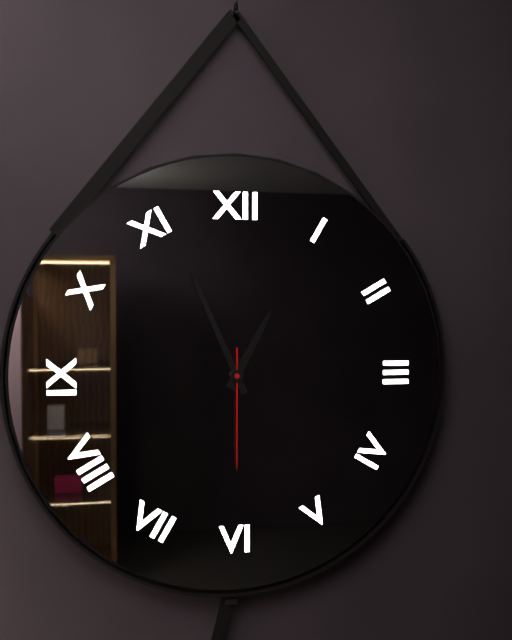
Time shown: 12:56:30
